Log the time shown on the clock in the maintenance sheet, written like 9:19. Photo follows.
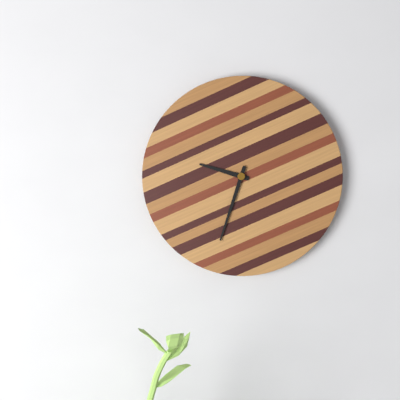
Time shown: 9:33
